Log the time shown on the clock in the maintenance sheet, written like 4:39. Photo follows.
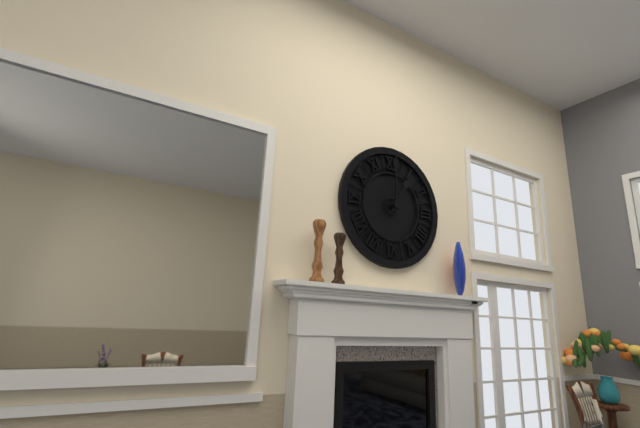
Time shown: 1:00
